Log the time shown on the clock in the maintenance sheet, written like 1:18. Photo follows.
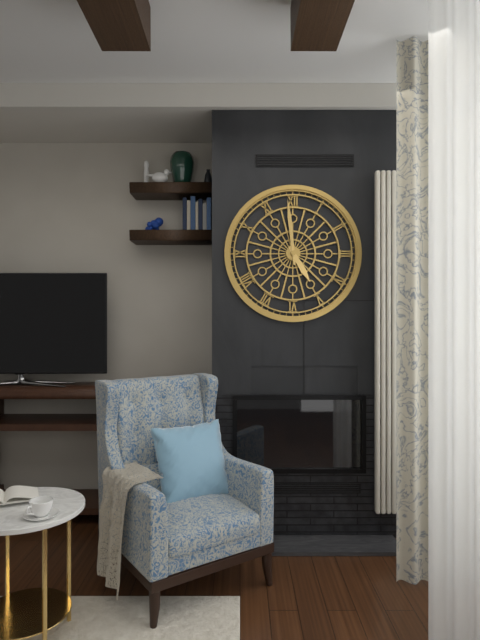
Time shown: 4:59
